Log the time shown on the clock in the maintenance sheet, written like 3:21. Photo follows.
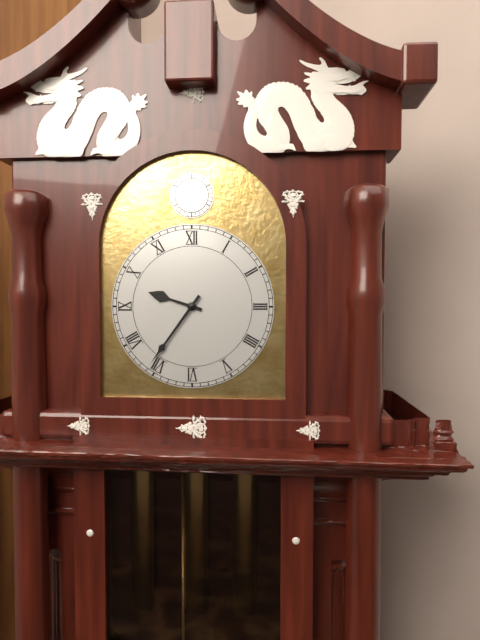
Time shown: 9:36
